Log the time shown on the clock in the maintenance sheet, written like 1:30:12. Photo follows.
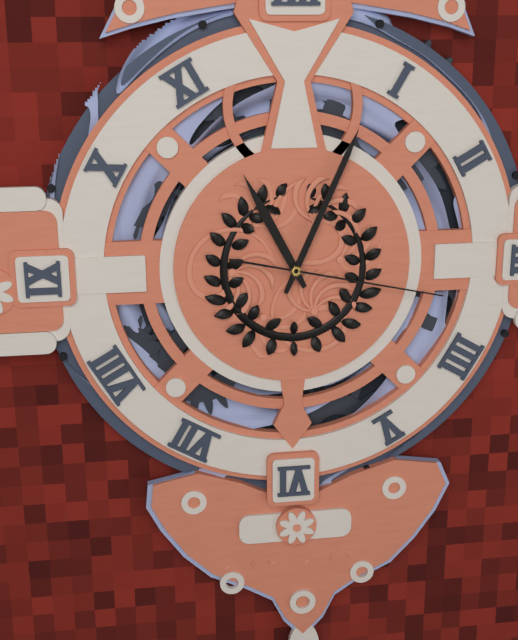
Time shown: 11:04:17
